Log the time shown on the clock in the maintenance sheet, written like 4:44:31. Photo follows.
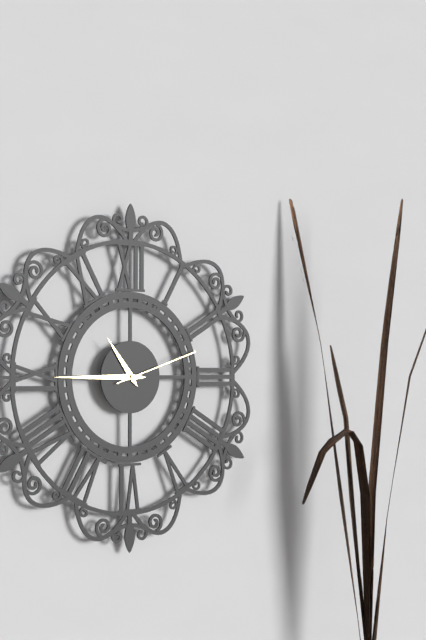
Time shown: 10:45:12
